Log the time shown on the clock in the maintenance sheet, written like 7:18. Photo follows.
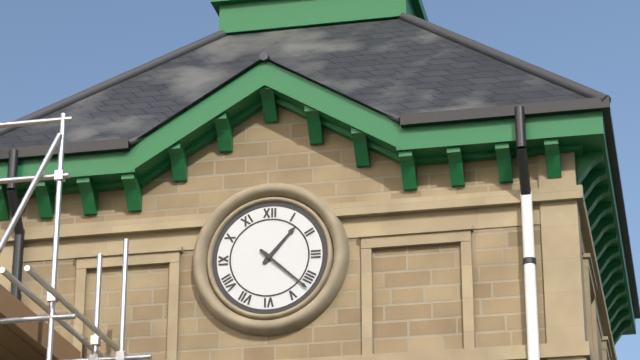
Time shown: 1:22
